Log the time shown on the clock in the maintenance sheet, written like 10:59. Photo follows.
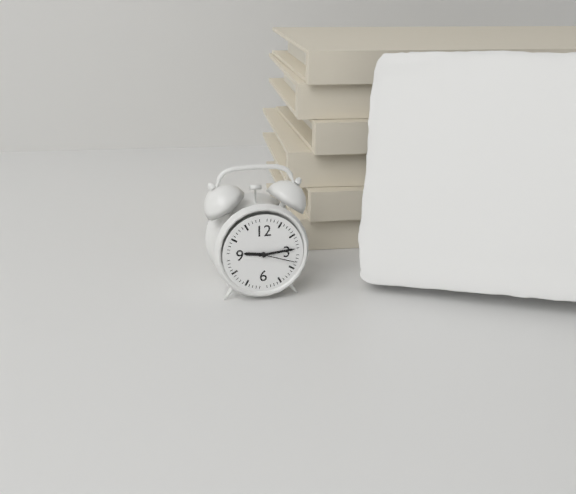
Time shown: 9:14
